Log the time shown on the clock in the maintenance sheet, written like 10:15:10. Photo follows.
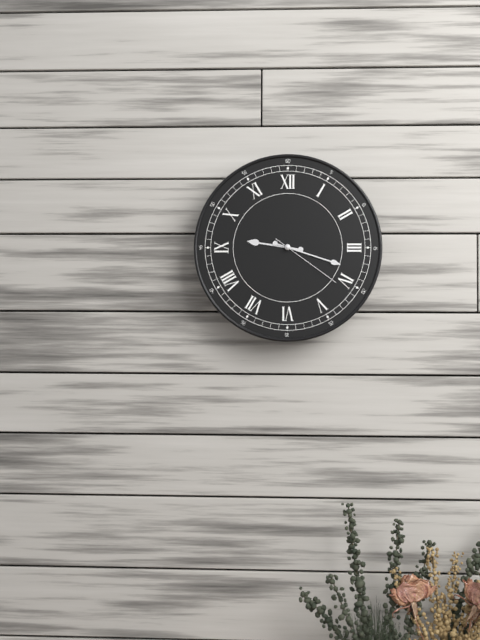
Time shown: 9:18:21
